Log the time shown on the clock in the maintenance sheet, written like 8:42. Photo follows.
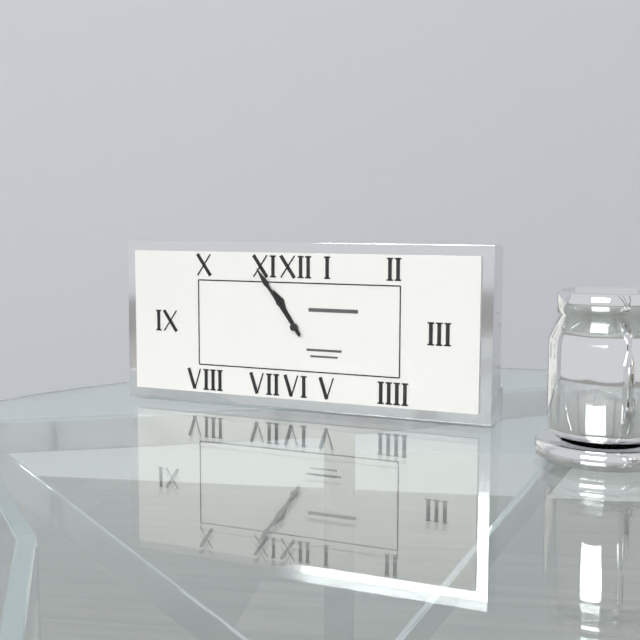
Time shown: 10:54
